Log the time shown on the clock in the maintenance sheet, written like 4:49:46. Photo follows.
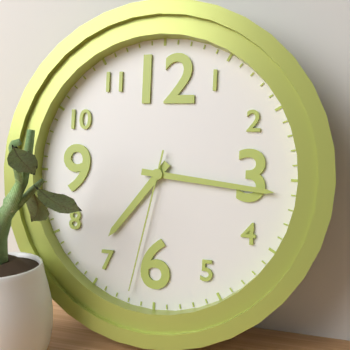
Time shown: 7:16:32
